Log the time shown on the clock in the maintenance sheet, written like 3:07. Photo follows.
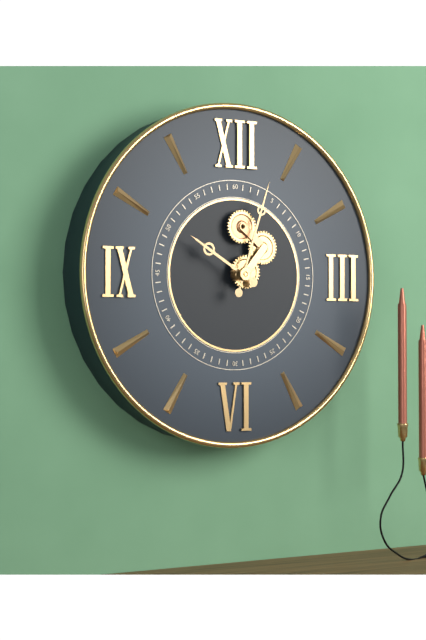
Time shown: 10:03
